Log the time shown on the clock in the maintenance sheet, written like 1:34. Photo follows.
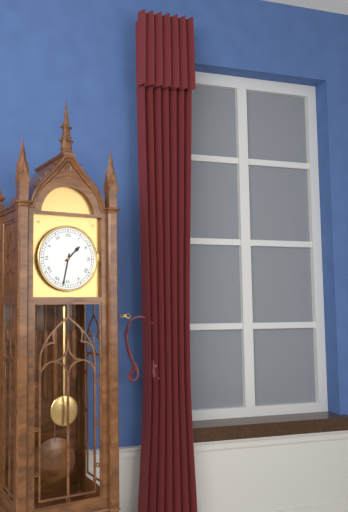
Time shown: 1:32
